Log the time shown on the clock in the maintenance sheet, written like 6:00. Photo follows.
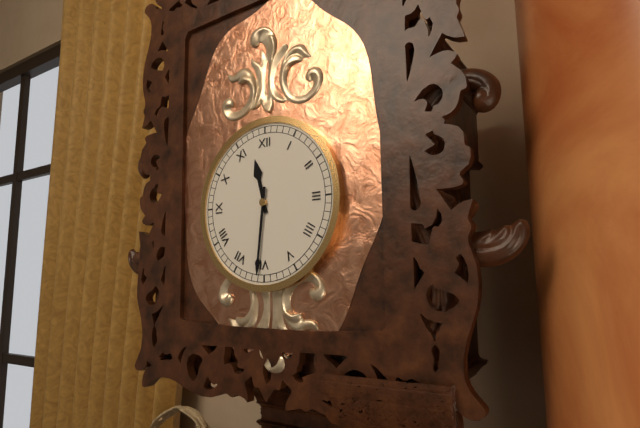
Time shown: 11:31
